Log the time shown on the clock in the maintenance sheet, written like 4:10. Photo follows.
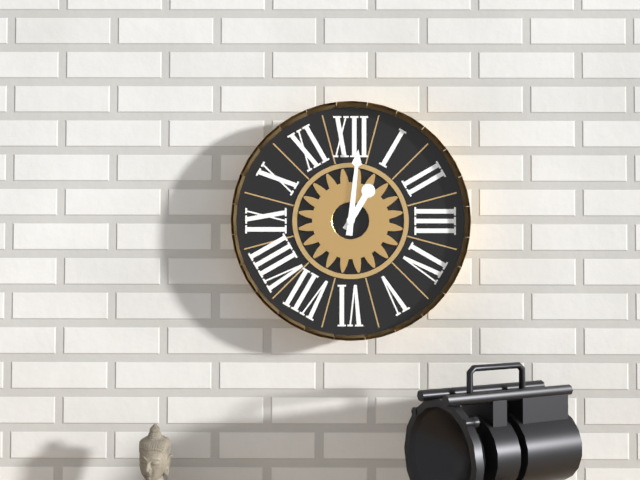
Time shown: 1:01
